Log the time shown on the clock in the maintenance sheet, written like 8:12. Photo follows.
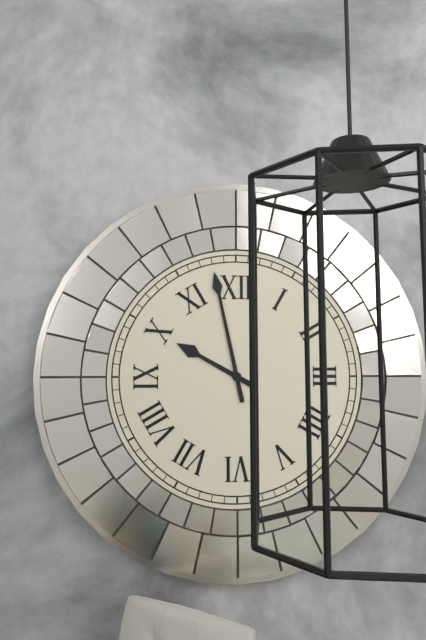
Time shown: 9:58
